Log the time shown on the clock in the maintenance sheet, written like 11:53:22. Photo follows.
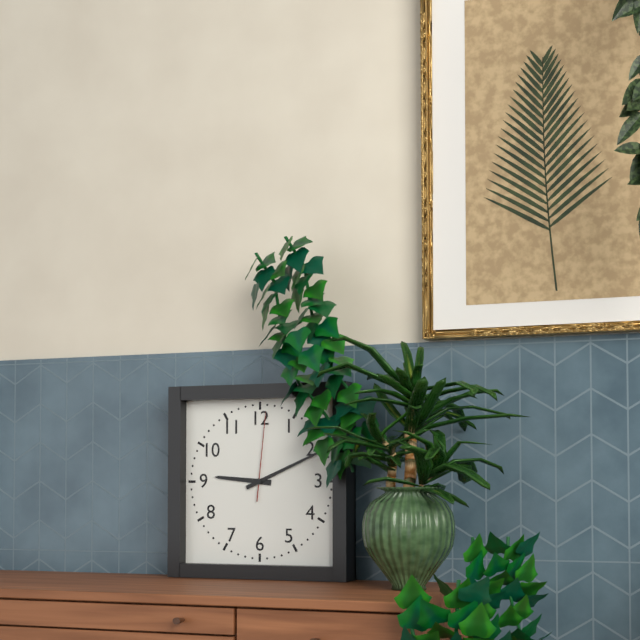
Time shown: 9:11:01
